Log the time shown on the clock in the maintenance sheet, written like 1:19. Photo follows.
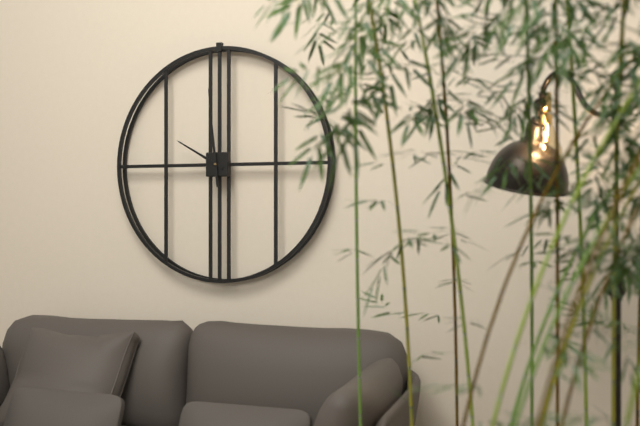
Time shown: 9:59
